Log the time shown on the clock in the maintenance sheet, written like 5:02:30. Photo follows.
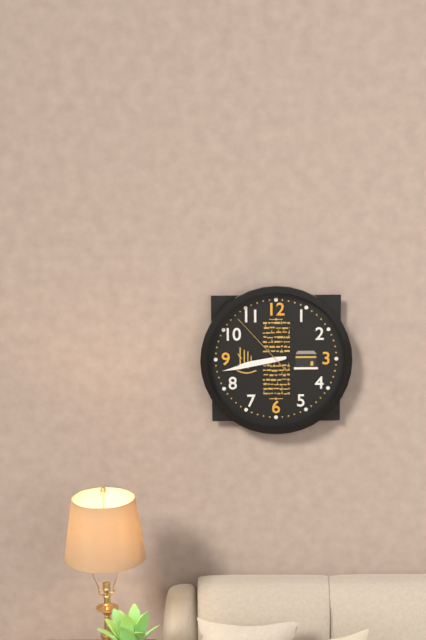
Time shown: 8:43:53
